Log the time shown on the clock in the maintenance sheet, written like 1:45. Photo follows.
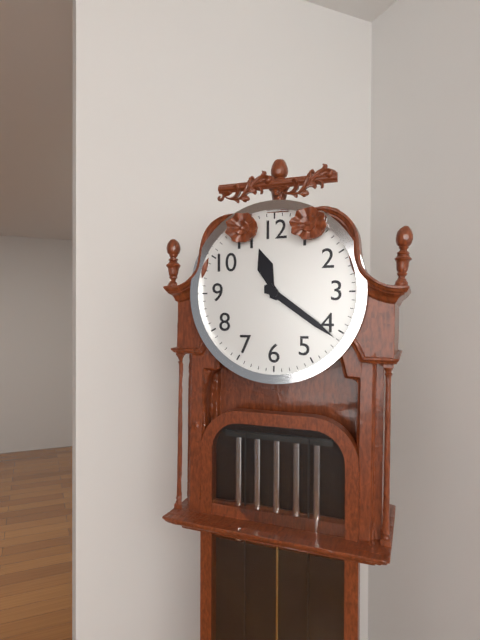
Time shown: 11:21
